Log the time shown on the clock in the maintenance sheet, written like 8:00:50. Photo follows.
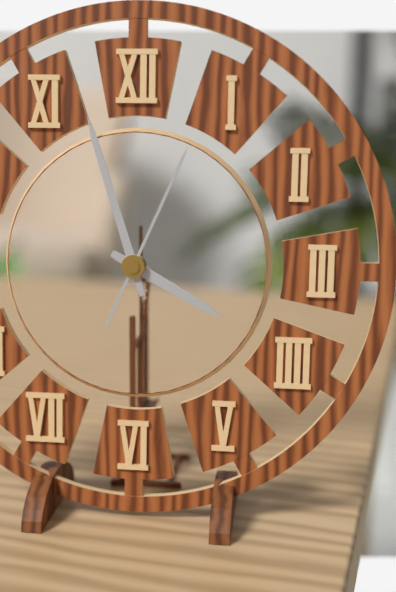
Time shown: 3:57:04
